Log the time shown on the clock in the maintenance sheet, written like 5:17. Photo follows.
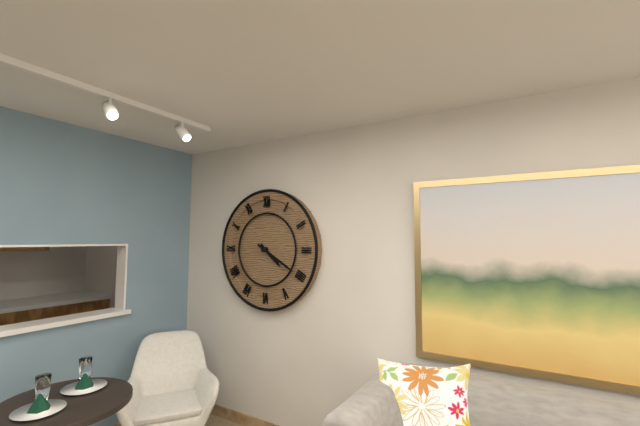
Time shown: 4:20
